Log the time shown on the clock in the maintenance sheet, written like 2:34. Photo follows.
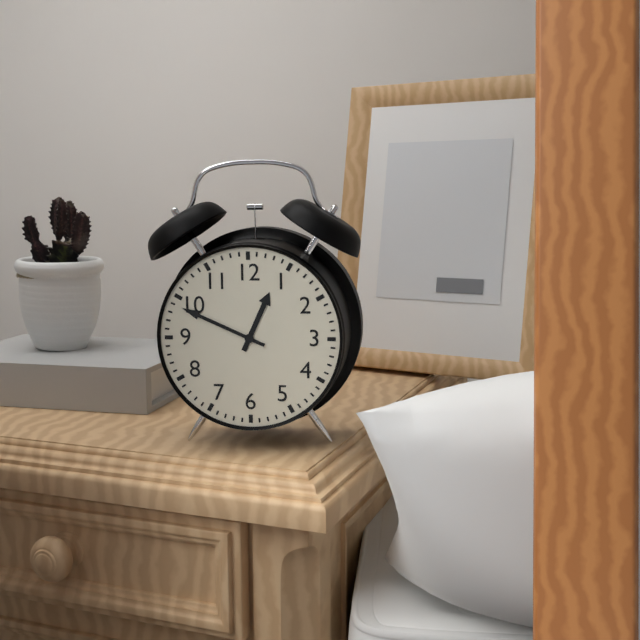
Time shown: 12:49
